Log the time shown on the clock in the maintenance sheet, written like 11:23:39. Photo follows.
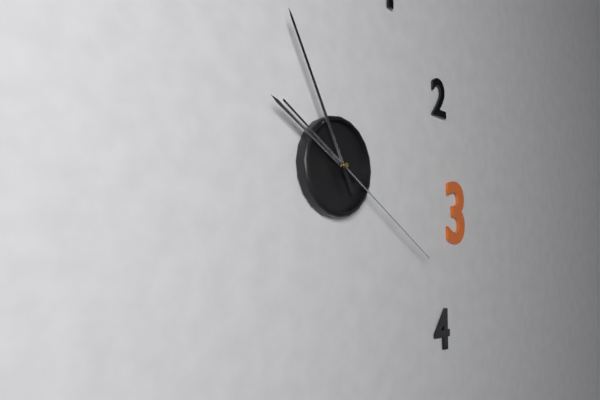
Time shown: 9:55:20
